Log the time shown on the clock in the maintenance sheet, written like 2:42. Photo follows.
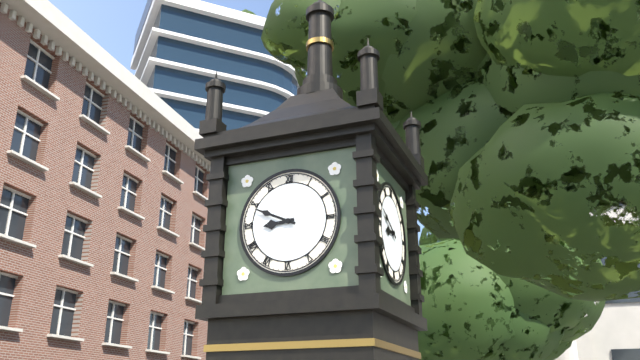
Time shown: 8:49
